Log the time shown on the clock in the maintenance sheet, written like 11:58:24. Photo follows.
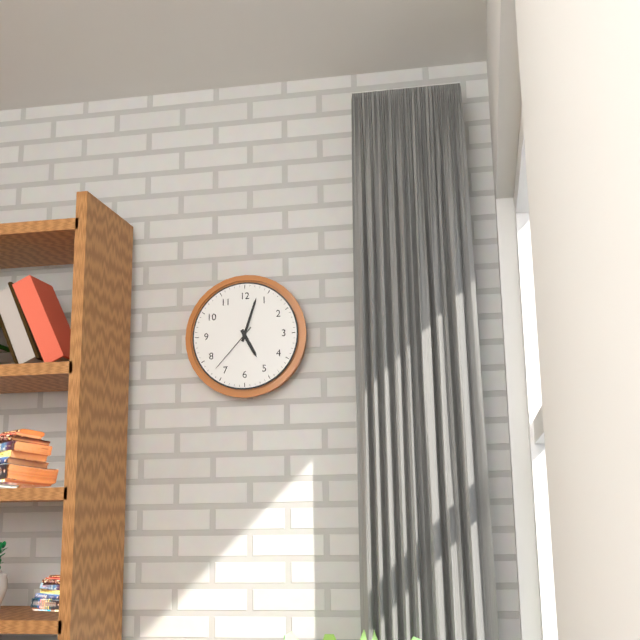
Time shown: 5:03:37
